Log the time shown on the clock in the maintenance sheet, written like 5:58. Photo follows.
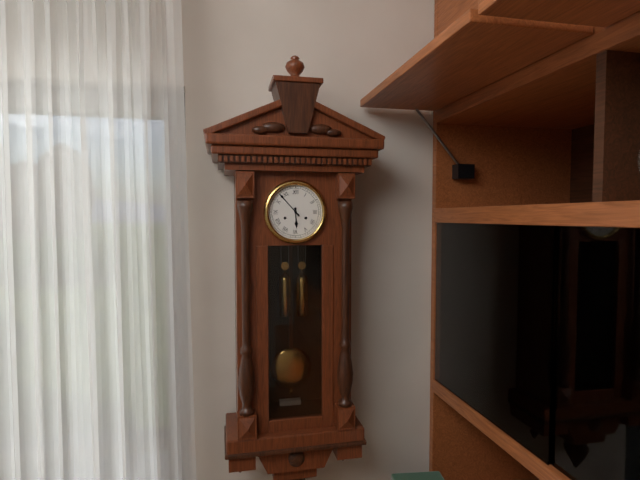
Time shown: 5:53
